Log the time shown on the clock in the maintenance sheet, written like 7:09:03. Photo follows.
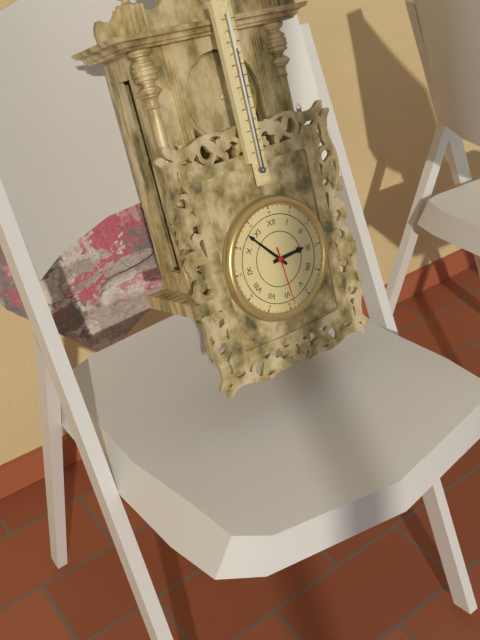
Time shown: 2:53:29
